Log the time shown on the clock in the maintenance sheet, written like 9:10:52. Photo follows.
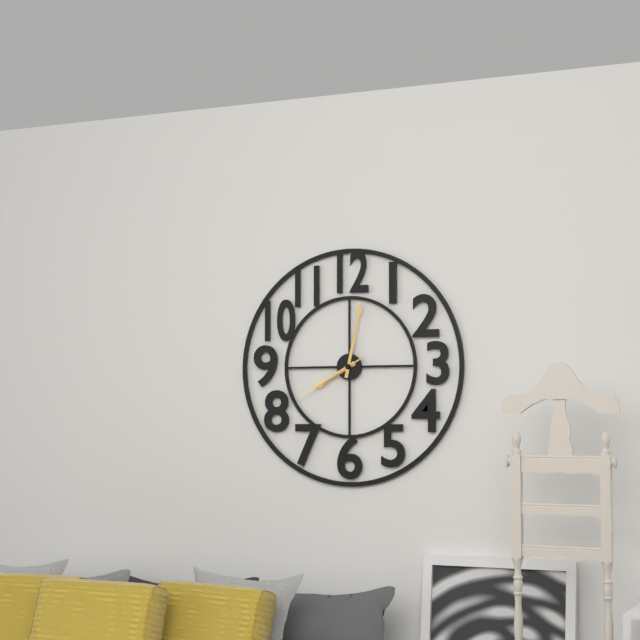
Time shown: 8:02:40
